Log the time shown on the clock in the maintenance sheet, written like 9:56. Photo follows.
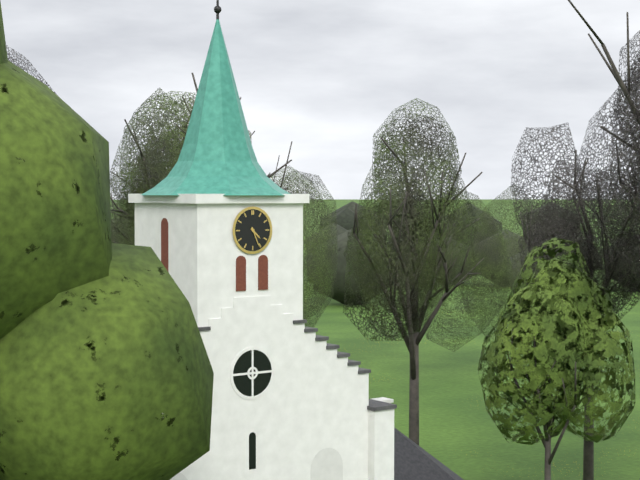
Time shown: 4:26
